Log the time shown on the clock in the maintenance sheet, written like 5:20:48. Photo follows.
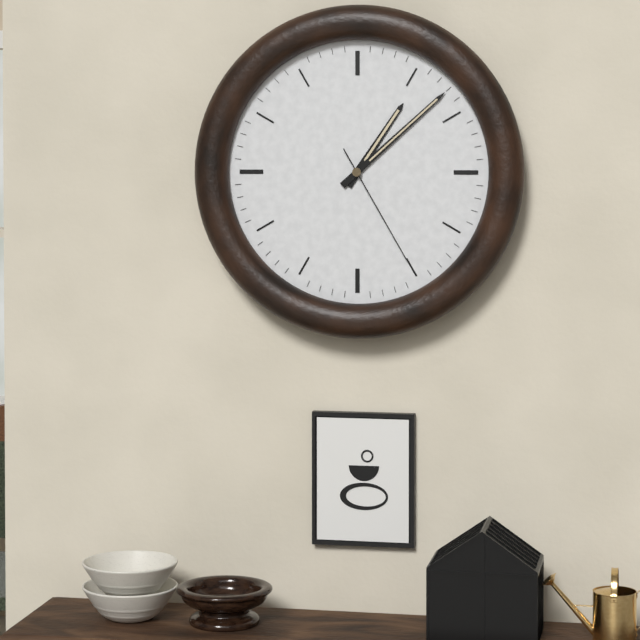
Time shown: 1:08:25
